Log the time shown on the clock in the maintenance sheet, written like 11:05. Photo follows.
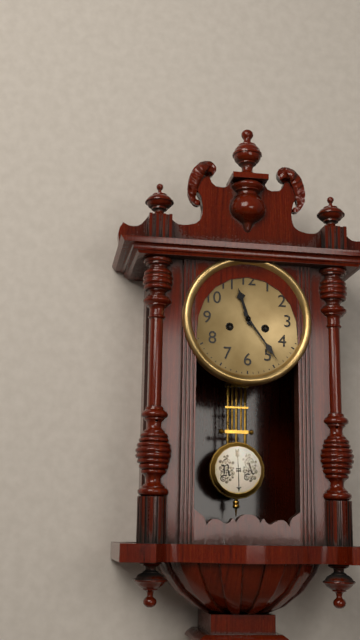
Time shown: 11:24
